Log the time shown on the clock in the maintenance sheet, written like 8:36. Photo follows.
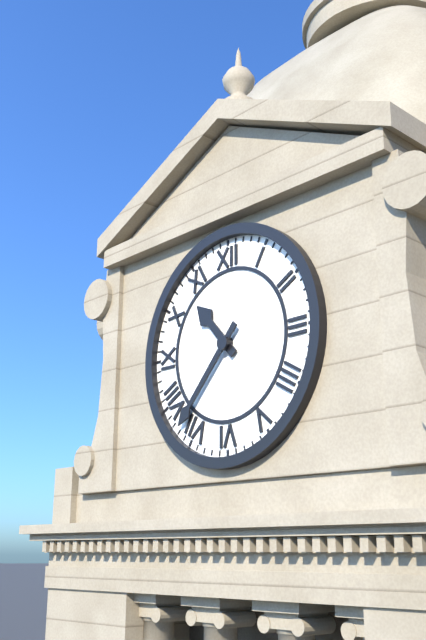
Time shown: 10:37
